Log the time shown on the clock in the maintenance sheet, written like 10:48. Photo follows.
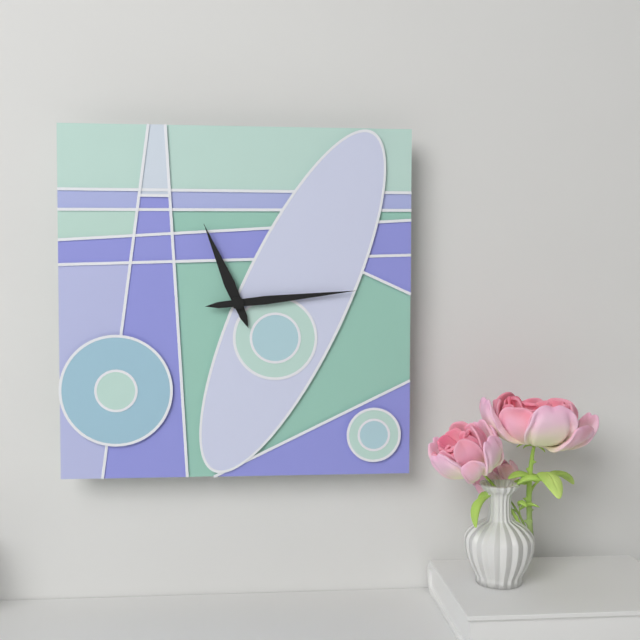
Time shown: 11:14
